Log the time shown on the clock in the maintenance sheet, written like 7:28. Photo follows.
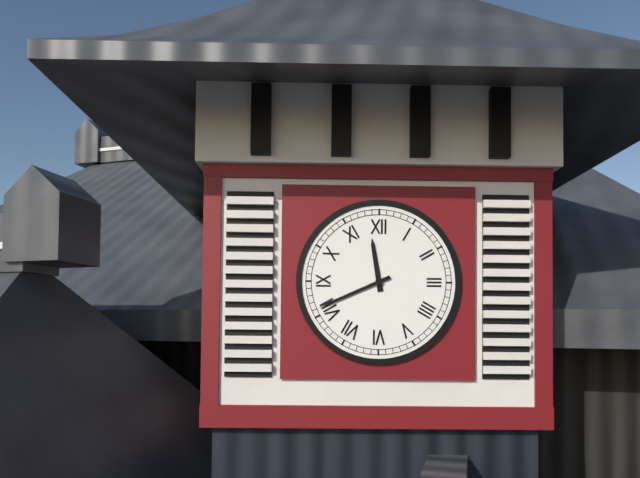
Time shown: 11:41
